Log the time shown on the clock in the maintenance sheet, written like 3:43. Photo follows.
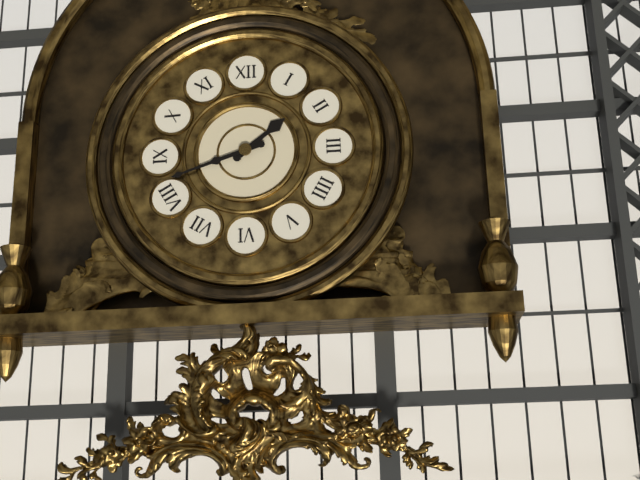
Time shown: 1:42
